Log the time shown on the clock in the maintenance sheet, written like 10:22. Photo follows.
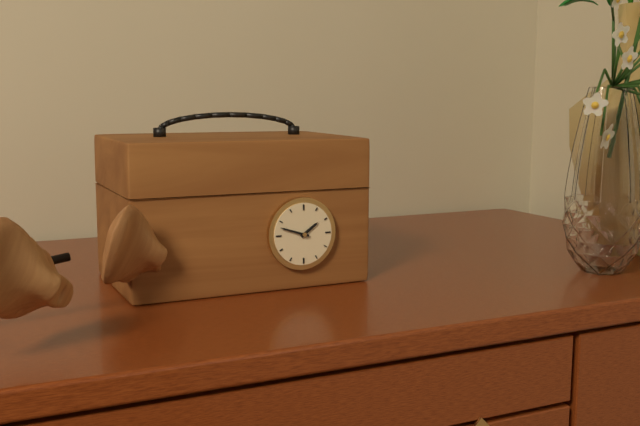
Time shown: 1:48
